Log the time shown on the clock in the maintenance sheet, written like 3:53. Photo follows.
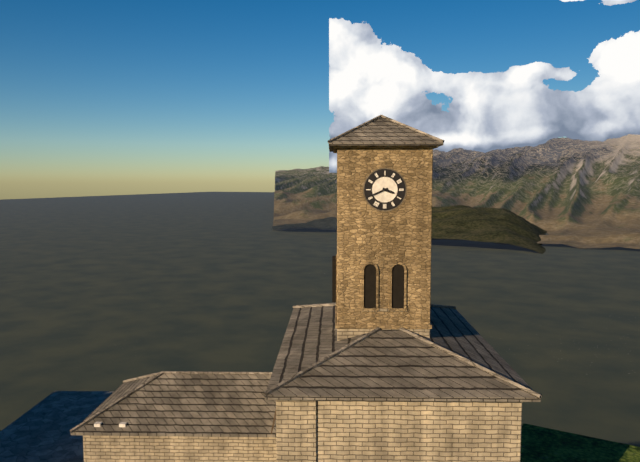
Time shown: 3:41
